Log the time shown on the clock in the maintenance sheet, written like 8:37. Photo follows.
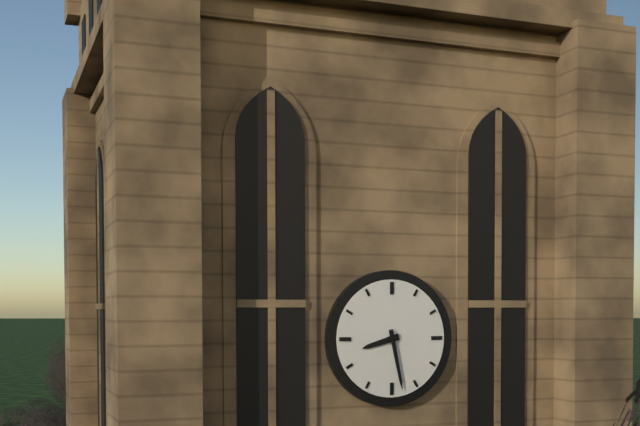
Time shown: 8:28
